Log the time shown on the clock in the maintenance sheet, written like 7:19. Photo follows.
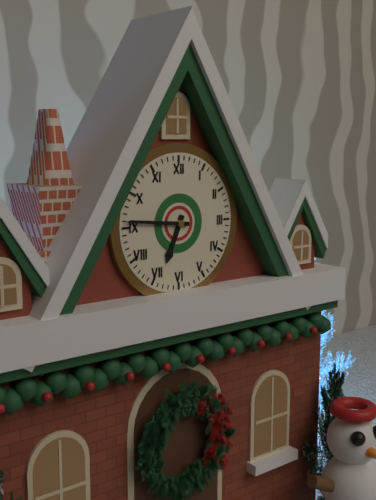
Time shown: 6:46
